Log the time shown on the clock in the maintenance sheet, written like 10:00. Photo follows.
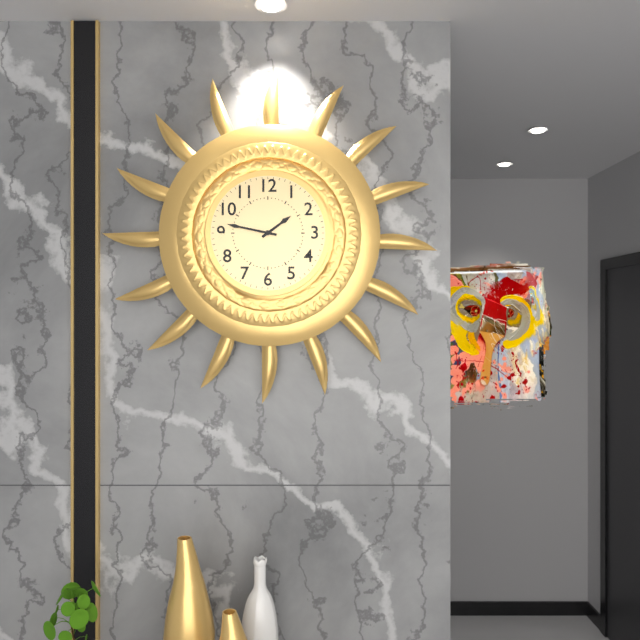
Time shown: 1:47
